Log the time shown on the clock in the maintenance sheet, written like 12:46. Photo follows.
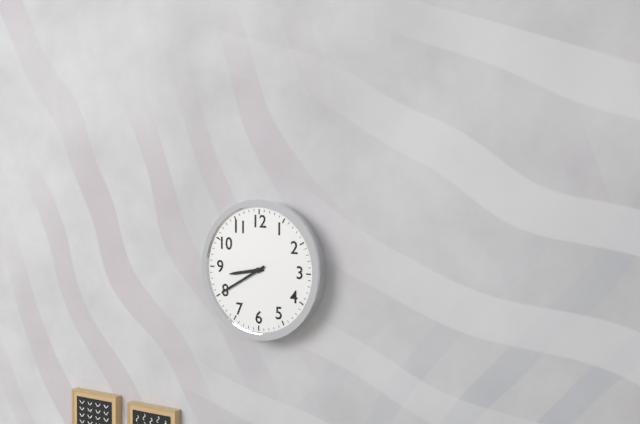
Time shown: 8:40
